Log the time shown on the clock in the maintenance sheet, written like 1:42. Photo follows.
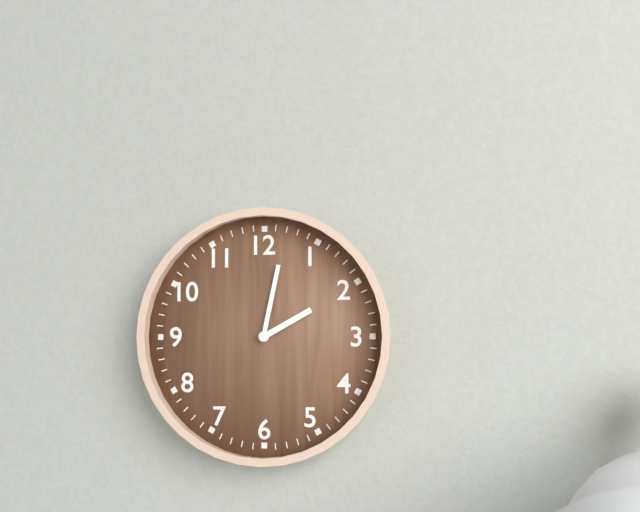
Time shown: 2:02
